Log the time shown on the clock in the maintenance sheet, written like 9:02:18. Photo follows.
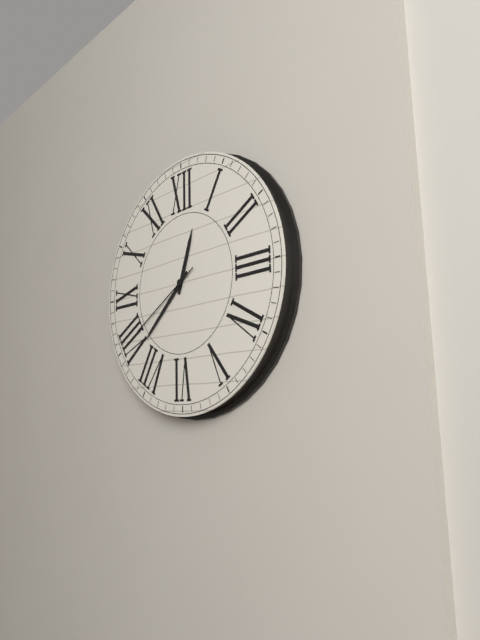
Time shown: 12:38:40
